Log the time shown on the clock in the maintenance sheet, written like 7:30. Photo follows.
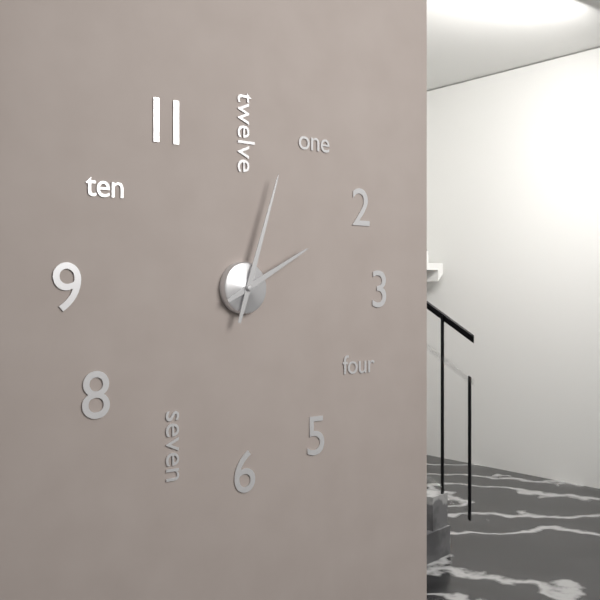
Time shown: 2:03
